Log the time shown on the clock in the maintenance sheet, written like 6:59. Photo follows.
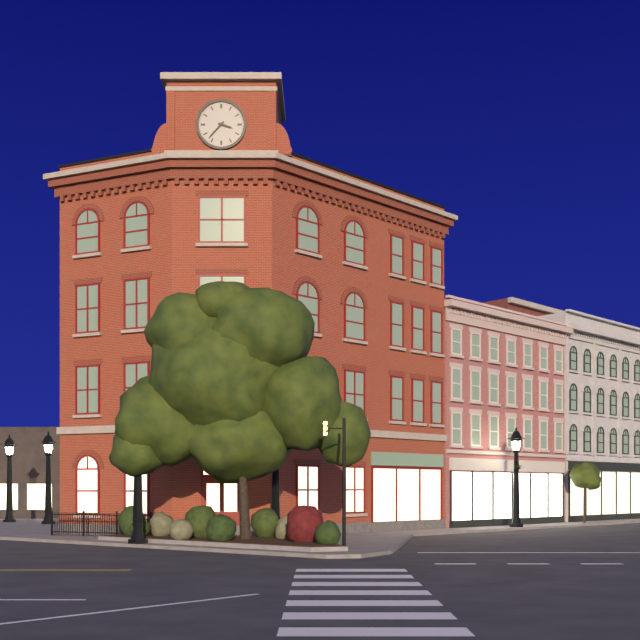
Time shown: 3:37
